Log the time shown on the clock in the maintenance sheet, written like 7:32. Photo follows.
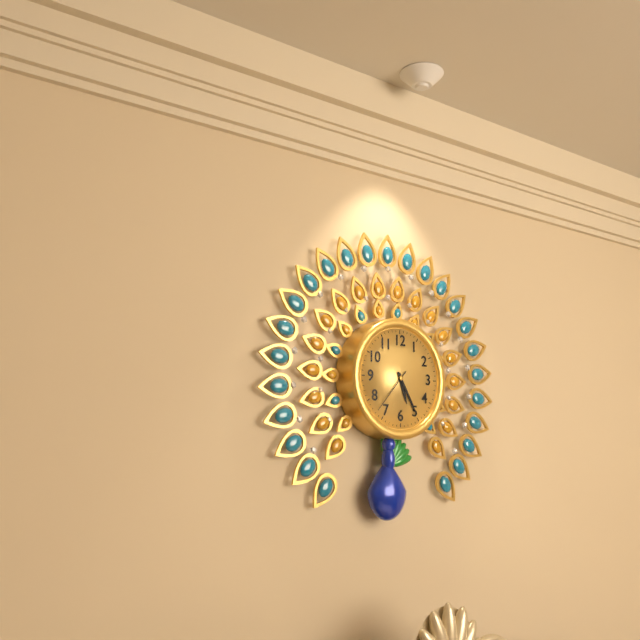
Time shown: 5:25
